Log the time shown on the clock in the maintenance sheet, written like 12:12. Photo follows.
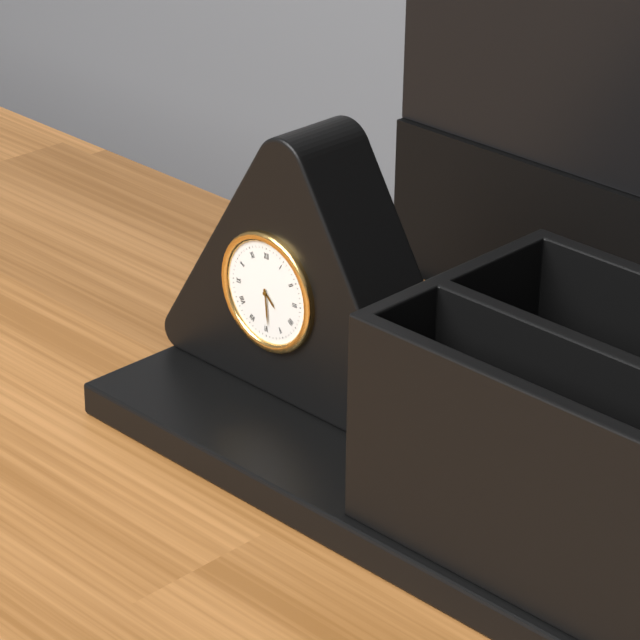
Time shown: 4:29
